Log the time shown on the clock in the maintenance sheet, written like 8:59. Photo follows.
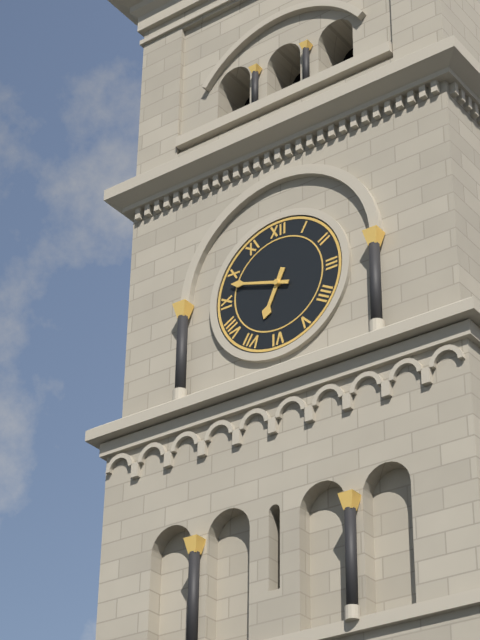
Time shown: 6:48
